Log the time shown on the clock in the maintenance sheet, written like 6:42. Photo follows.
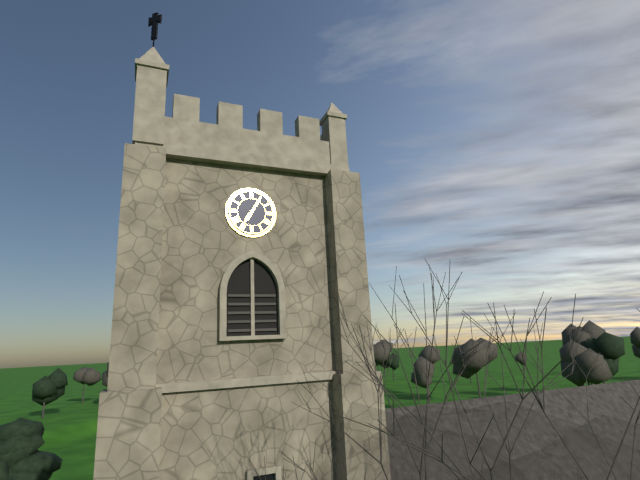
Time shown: 7:05
